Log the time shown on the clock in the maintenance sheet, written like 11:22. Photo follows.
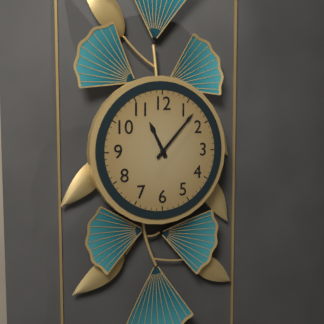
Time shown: 11:07
